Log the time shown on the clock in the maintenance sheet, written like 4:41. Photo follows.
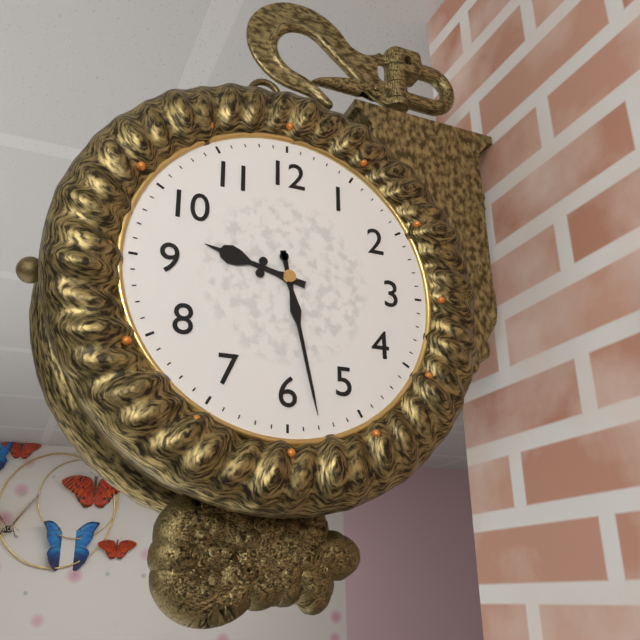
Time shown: 9:28
